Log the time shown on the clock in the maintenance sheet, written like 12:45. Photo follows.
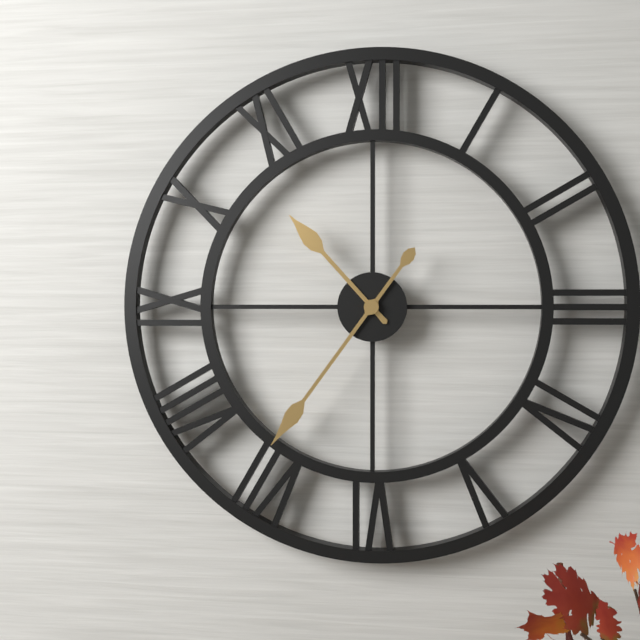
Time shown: 10:36
